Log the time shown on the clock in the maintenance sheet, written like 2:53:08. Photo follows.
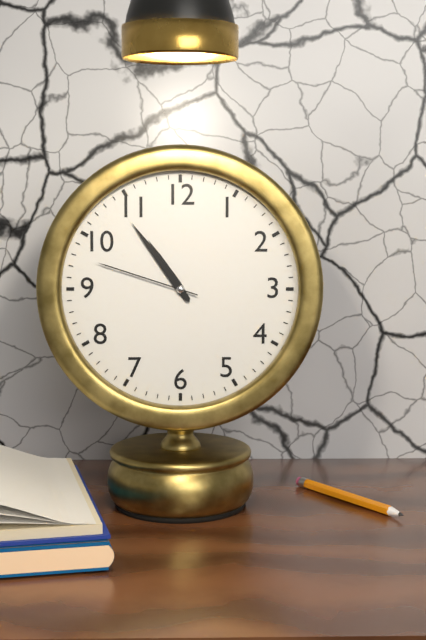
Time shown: 10:54:48
